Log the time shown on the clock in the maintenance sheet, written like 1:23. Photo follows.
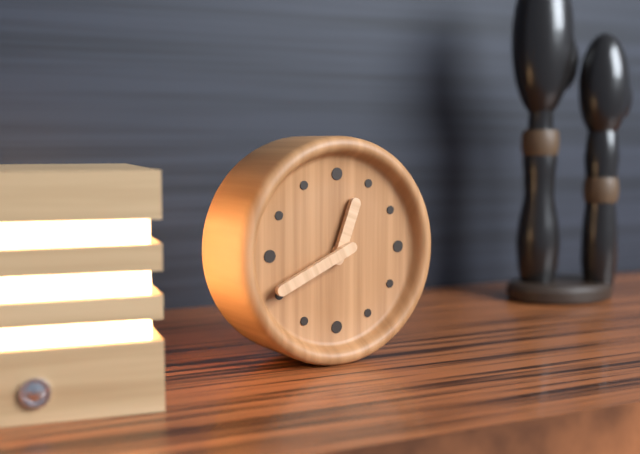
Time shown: 12:41
